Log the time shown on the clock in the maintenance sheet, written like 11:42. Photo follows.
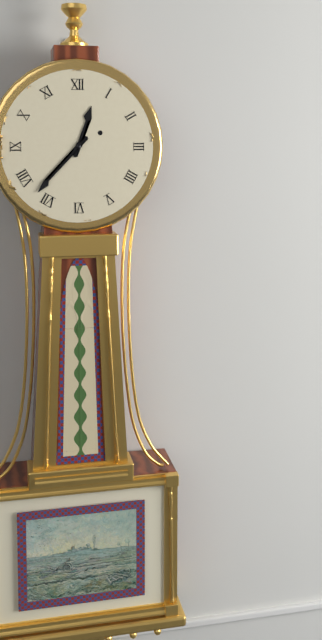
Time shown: 12:37
